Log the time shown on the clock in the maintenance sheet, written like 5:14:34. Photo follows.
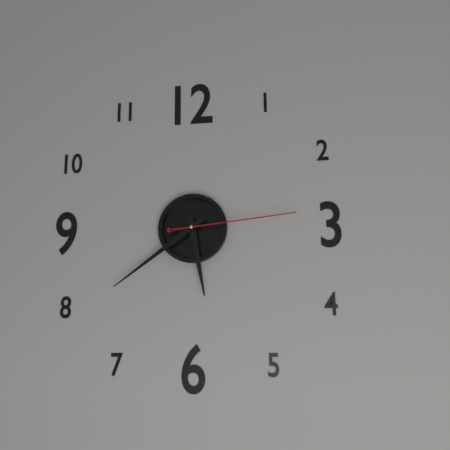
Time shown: 5:39:14
